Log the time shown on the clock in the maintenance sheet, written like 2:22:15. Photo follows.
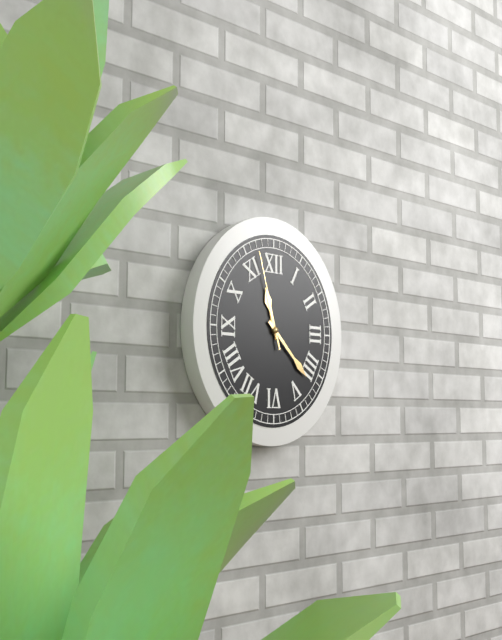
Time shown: 11:22:57
